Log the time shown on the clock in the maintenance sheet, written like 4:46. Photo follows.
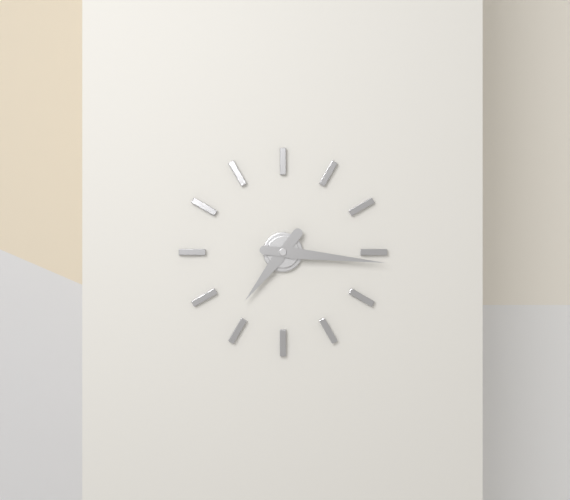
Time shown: 7:16
